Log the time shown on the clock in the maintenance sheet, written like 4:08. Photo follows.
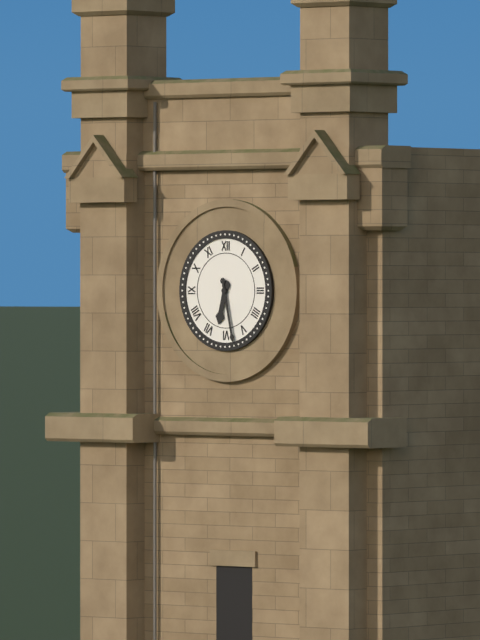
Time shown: 6:28
